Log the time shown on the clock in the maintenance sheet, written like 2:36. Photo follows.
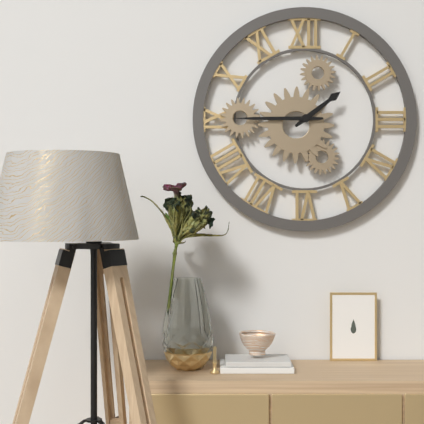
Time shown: 1:45
